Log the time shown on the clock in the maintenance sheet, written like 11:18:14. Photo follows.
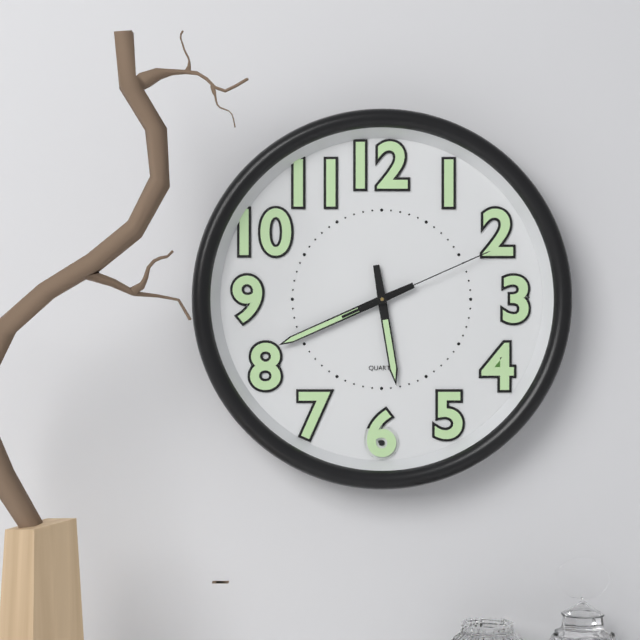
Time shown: 5:41:11
